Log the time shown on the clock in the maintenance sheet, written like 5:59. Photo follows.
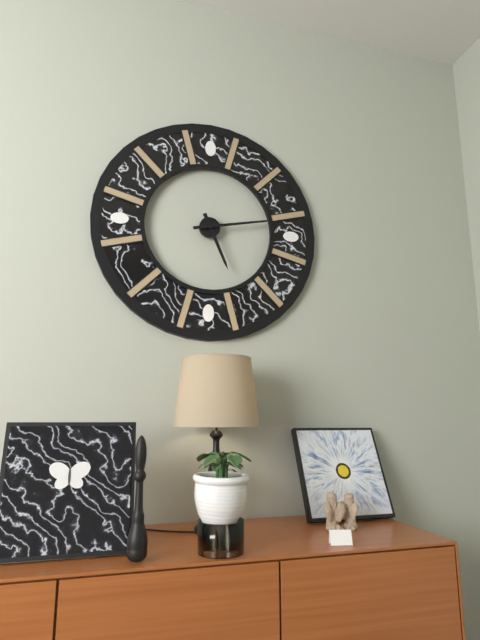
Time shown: 5:13
